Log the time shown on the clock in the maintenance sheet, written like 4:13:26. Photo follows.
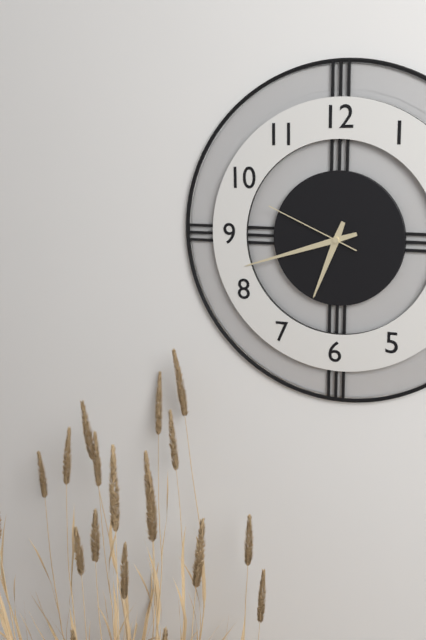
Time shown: 6:42:49
